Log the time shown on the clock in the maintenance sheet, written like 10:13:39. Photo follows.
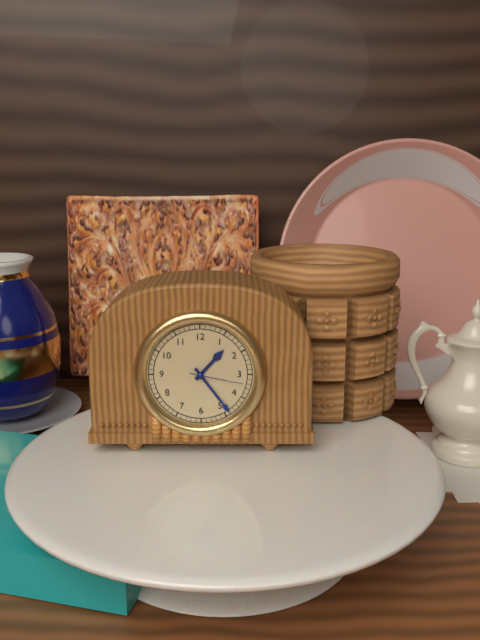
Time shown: 1:24:17
